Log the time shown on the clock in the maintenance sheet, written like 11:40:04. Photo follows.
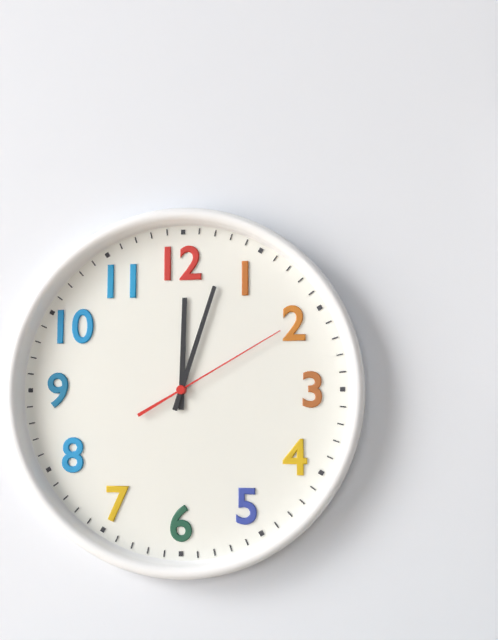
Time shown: 12:03:10
